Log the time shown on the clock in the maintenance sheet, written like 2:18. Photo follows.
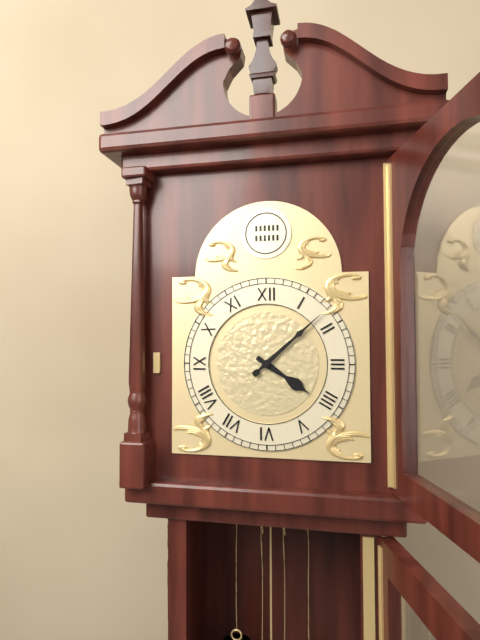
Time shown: 4:08
